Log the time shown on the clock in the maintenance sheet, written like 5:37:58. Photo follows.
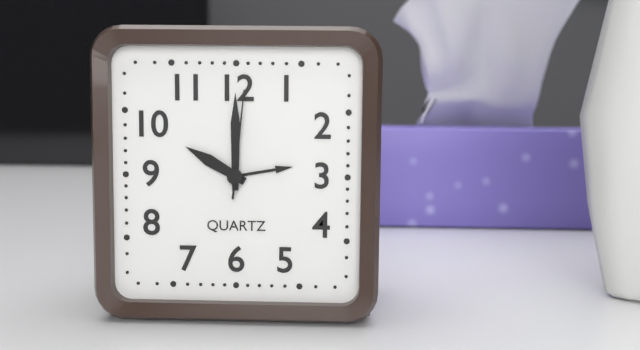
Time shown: 10:00:01
